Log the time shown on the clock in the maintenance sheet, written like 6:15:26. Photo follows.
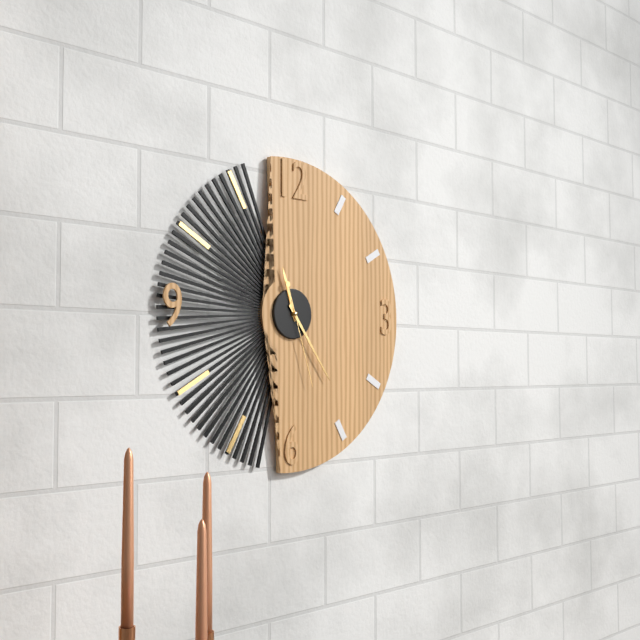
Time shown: 11:24:27
